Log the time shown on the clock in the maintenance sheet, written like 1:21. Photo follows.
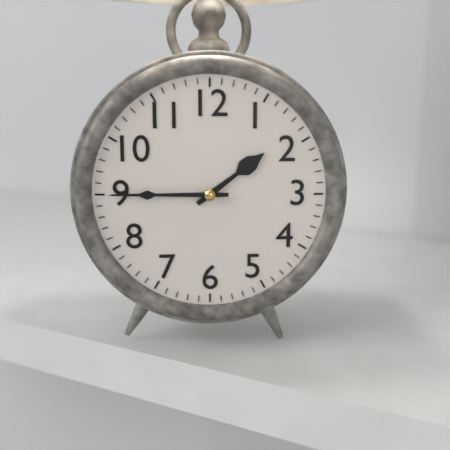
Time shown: 1:45
